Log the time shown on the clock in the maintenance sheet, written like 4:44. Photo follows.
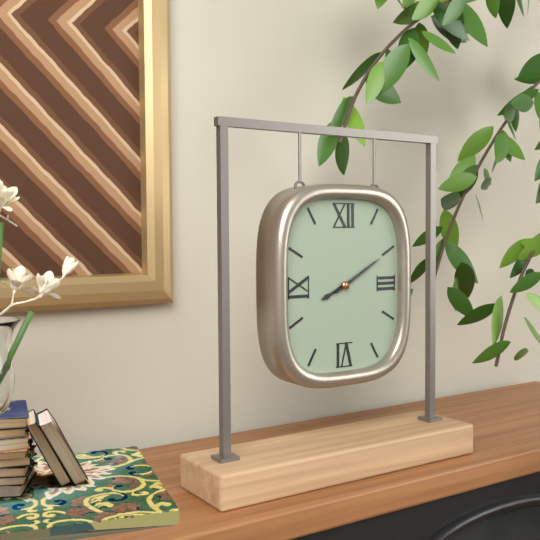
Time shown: 8:10
